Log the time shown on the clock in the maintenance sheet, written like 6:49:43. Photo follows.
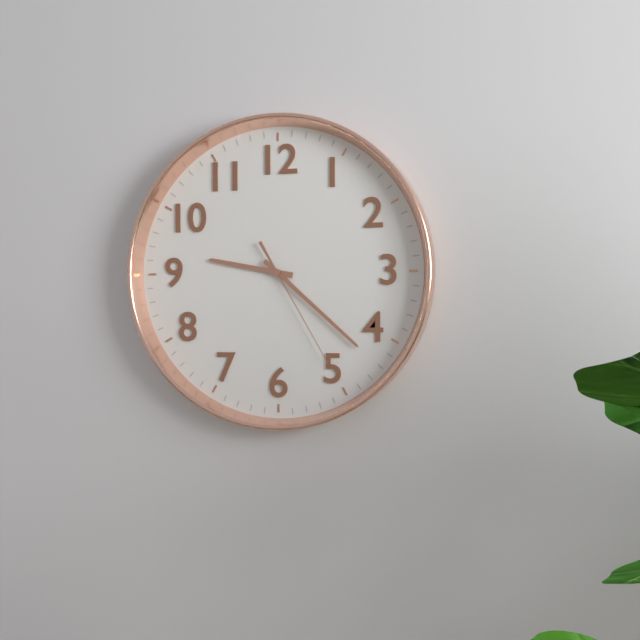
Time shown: 9:22:25
